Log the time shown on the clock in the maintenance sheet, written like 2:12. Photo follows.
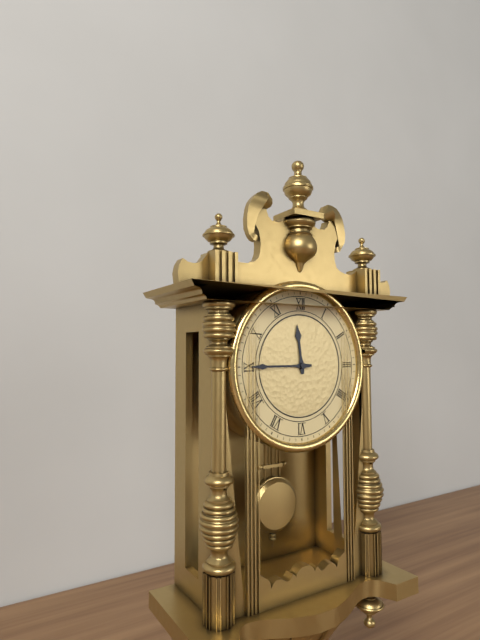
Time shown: 11:45
